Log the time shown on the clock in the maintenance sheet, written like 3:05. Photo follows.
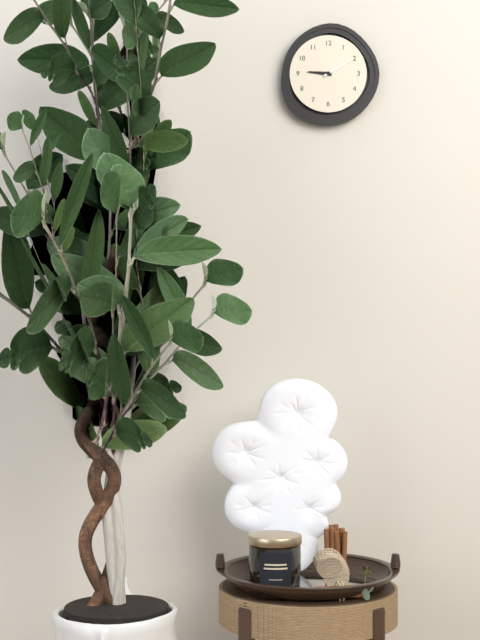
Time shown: 9:10
